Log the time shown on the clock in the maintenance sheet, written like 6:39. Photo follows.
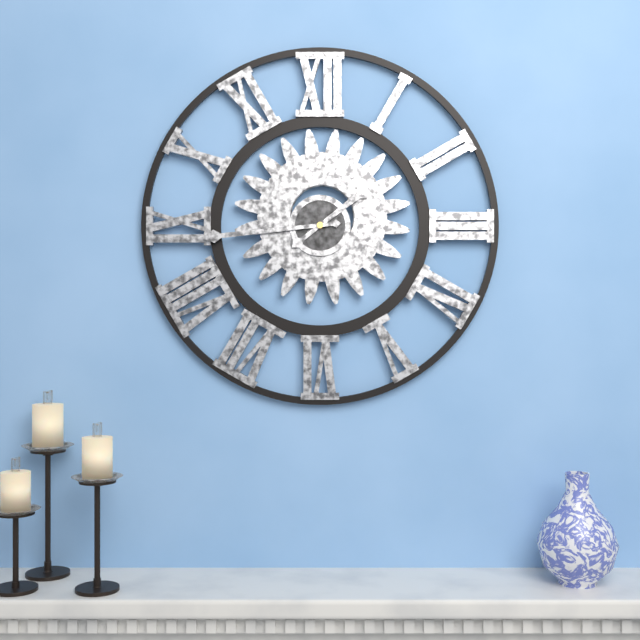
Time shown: 1:44
